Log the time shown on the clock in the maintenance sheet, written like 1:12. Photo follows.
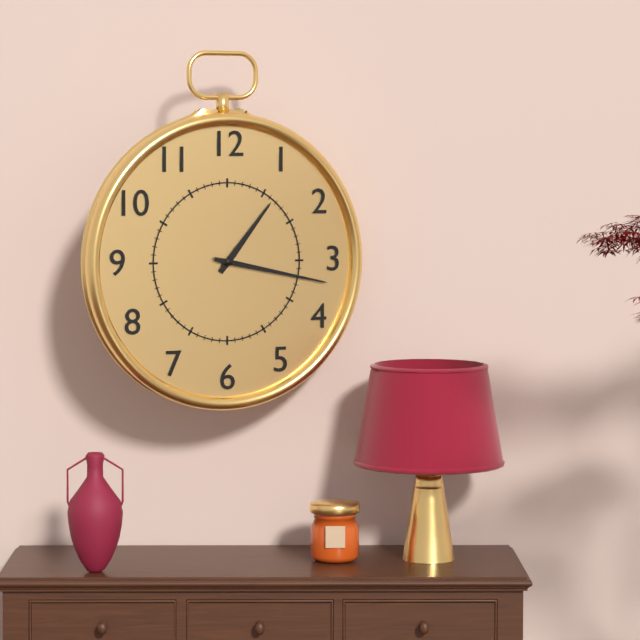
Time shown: 1:17
